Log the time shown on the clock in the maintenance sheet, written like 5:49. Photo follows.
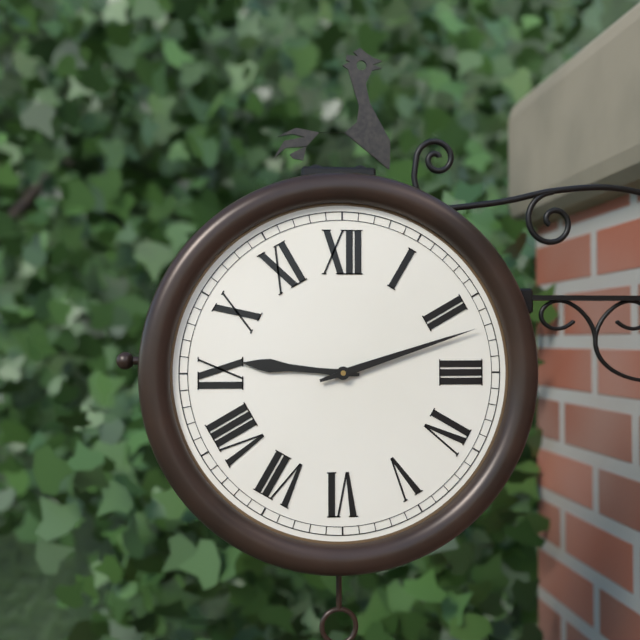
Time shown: 9:12
